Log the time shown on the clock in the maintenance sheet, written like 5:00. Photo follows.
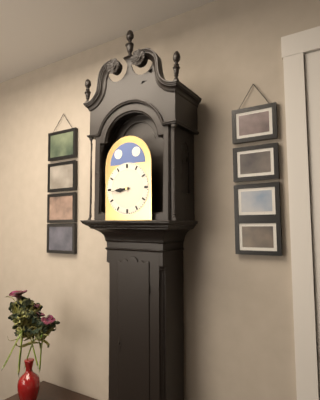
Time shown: 8:44
